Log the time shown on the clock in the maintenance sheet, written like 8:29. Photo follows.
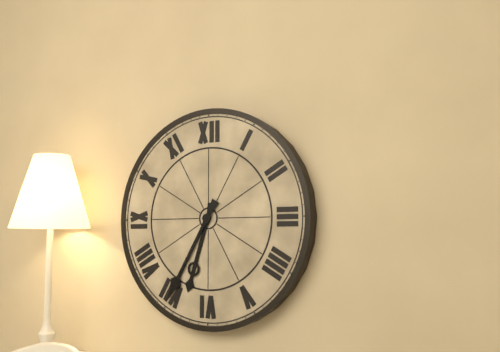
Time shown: 6:35
